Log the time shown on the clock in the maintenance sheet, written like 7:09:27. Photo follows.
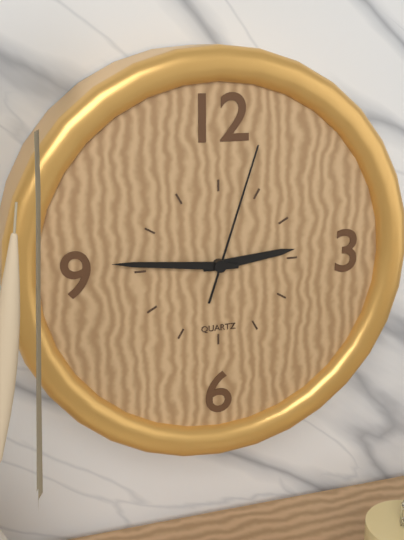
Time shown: 2:46:03
